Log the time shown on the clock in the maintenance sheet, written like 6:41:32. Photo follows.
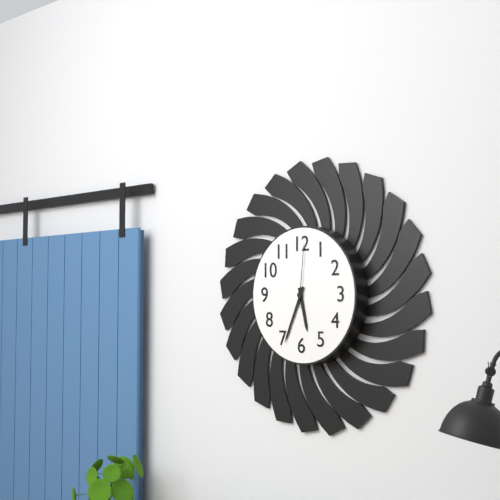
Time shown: 5:34:01
